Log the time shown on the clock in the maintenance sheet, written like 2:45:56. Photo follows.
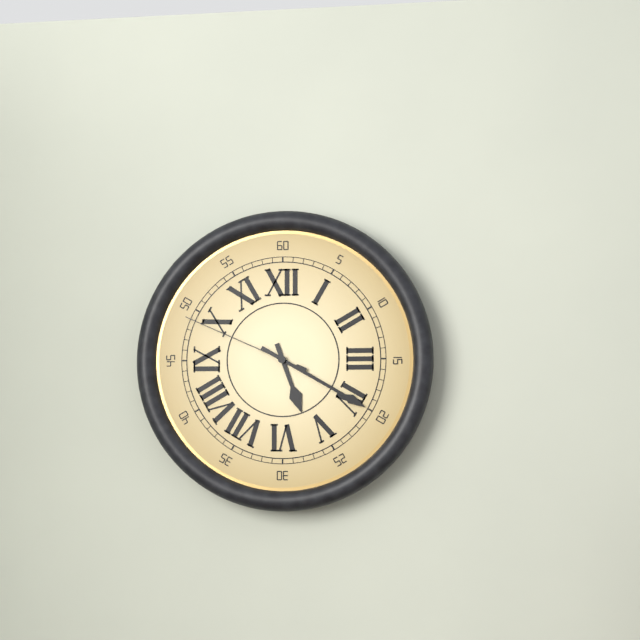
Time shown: 5:20:49
